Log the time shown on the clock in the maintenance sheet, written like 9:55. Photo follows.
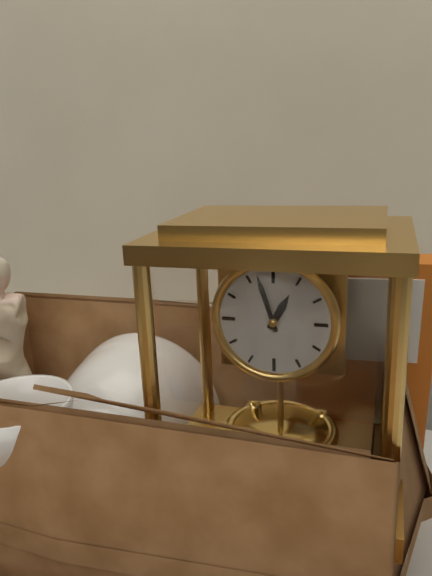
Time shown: 12:57
